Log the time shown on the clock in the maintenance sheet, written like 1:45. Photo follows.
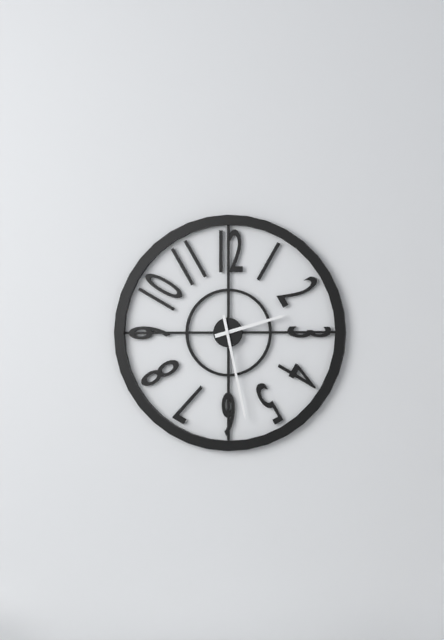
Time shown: 2:28
